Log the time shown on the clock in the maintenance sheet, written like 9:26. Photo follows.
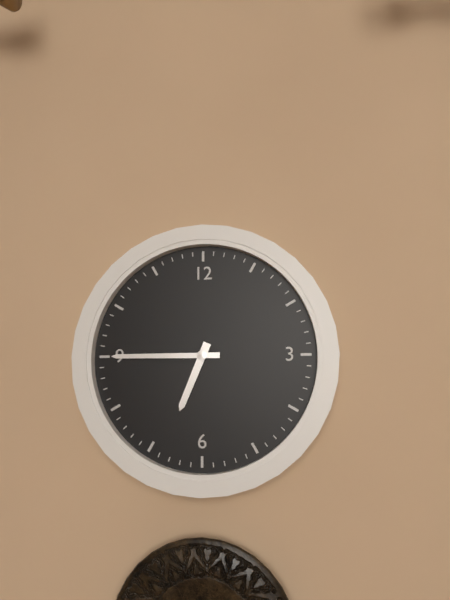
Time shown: 6:45
